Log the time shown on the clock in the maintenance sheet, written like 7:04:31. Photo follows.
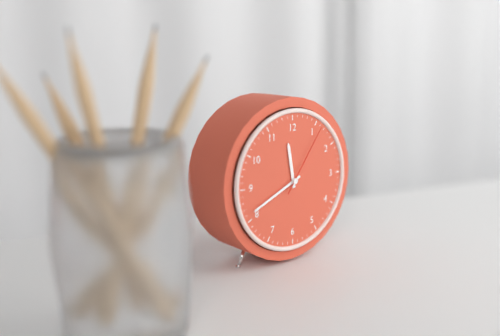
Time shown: 11:41:06
